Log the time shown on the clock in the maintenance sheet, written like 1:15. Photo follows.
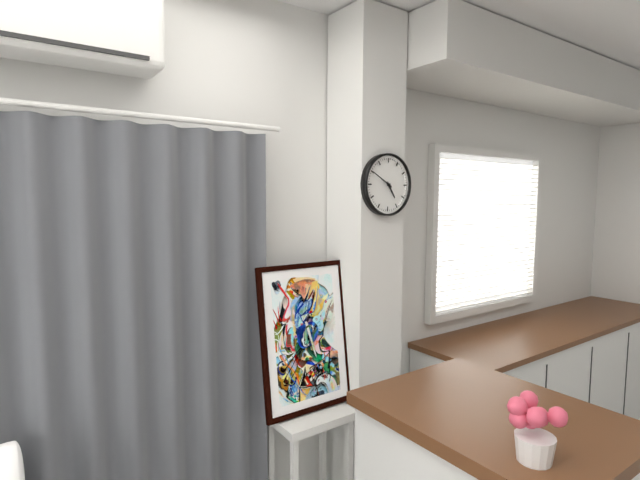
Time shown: 4:50
